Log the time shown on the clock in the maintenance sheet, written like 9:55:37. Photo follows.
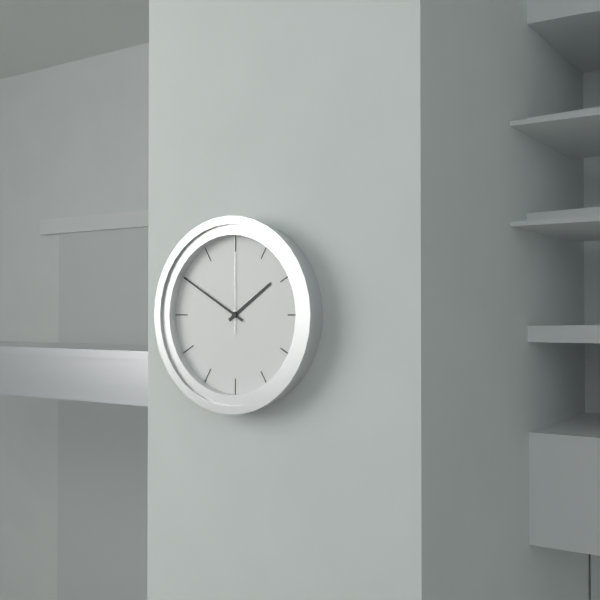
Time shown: 1:50:00
